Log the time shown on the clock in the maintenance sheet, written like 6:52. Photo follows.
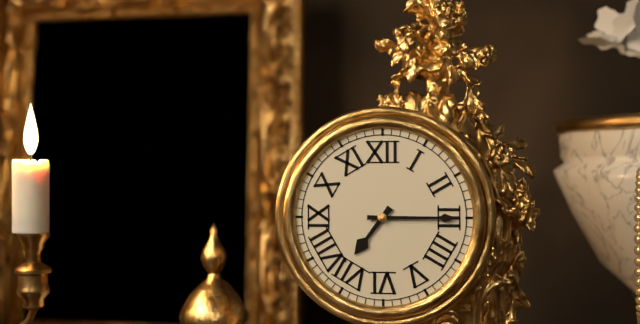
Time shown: 7:15
